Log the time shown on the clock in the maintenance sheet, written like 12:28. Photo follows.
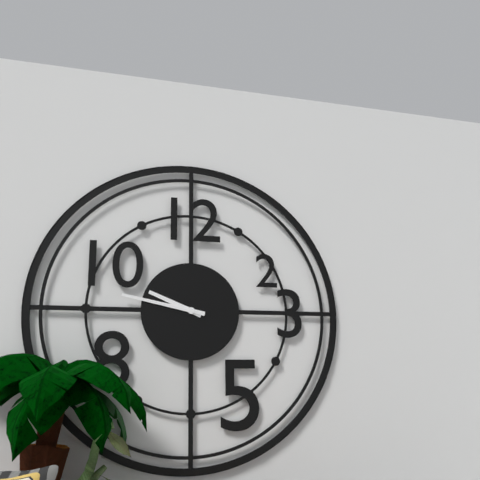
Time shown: 9:47
